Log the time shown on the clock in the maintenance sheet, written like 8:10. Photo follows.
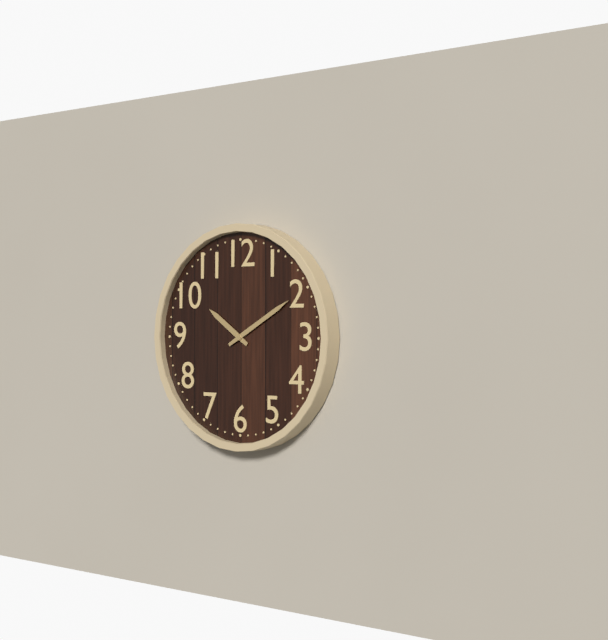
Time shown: 10:10
